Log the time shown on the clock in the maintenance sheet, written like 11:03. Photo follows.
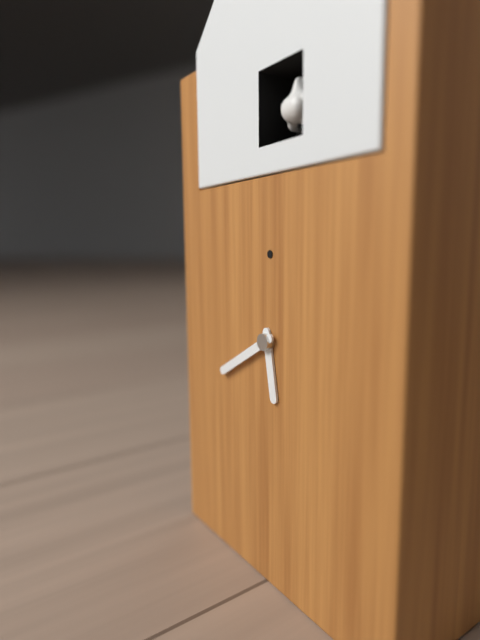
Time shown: 5:40
